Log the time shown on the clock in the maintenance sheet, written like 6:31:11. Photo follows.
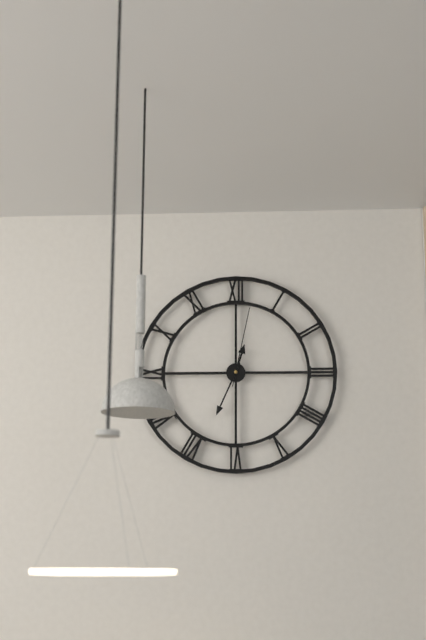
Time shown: 12:34:02
